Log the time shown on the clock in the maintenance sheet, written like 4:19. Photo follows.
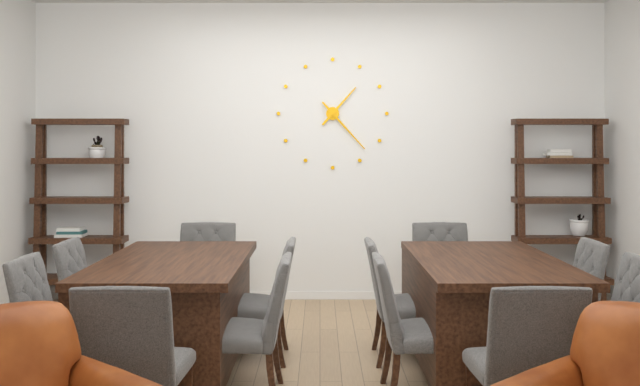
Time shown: 1:23
